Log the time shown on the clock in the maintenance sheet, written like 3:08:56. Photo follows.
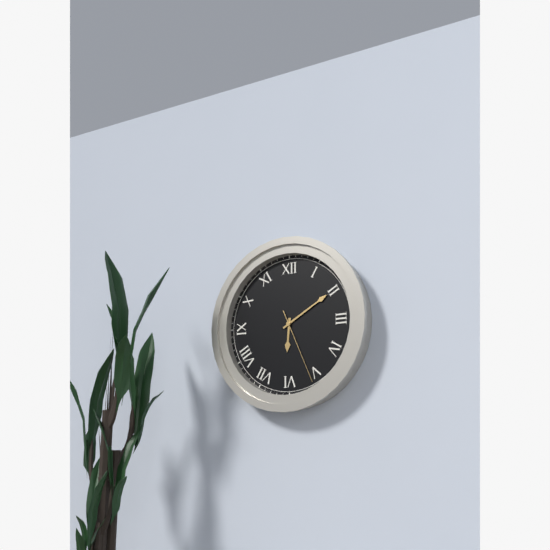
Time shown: 6:10:26
